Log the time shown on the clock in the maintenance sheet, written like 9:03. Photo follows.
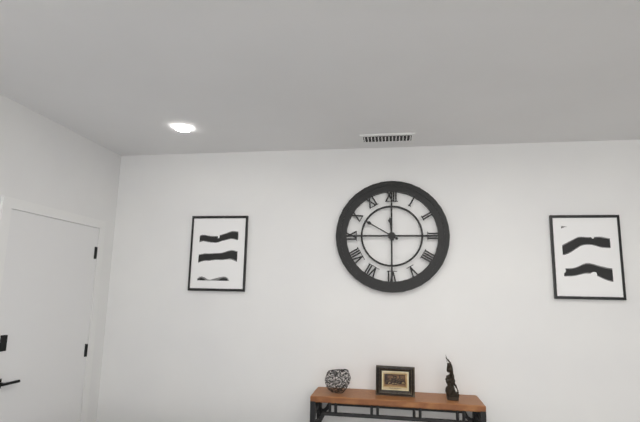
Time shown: 11:50
